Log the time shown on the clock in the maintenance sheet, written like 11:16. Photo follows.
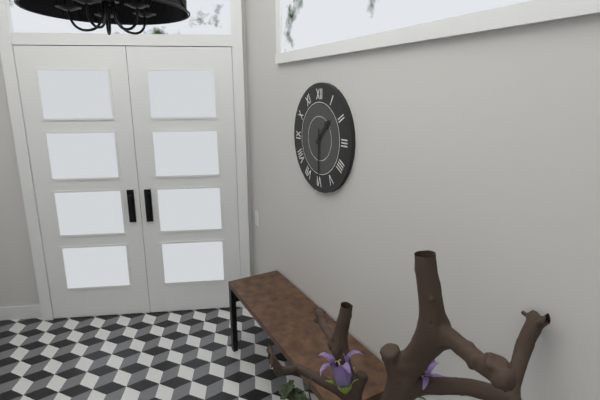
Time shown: 1:30
